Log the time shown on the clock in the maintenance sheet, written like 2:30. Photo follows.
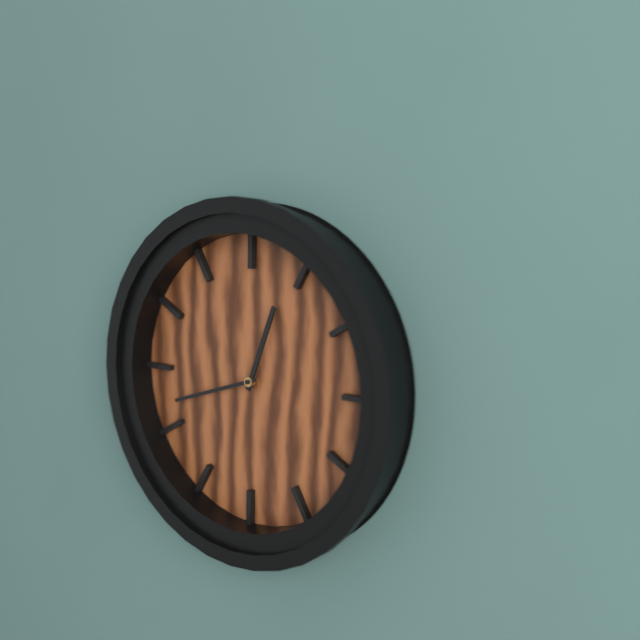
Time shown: 12:42
